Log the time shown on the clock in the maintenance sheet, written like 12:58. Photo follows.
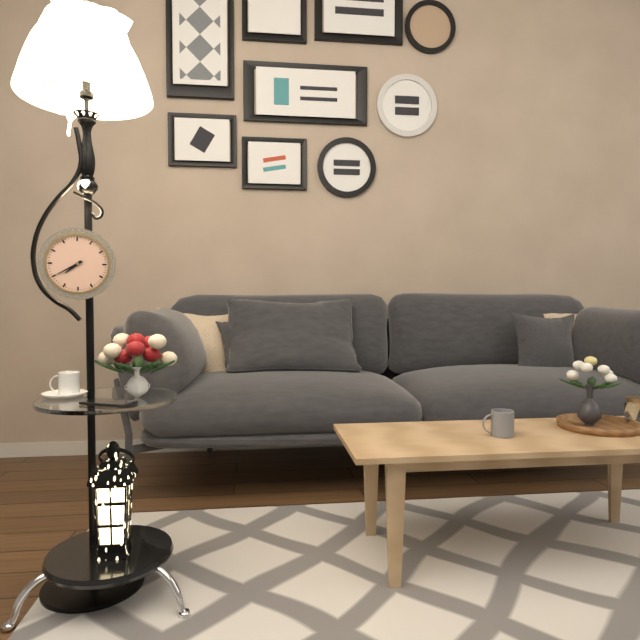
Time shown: 7:40
